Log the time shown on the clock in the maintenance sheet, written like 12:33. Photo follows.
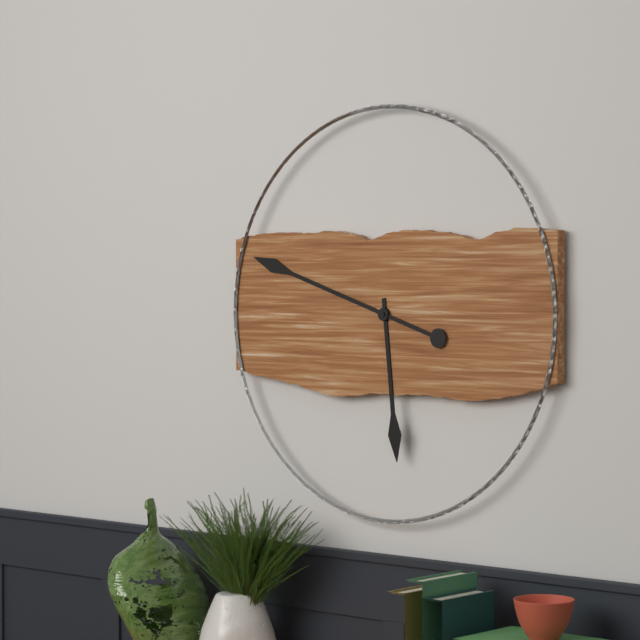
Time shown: 5:48
